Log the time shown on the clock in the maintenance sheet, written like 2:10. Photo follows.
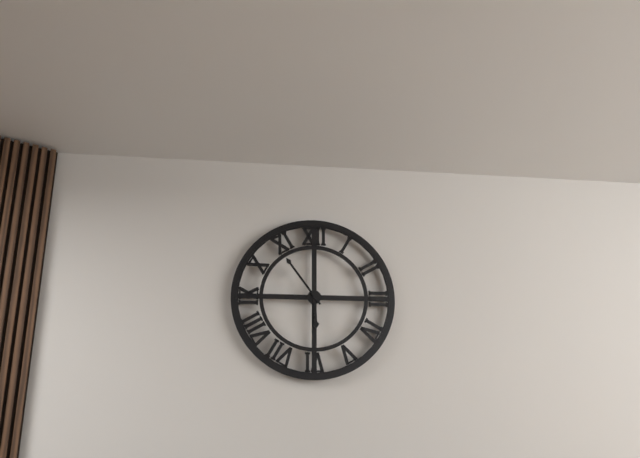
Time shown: 5:54
